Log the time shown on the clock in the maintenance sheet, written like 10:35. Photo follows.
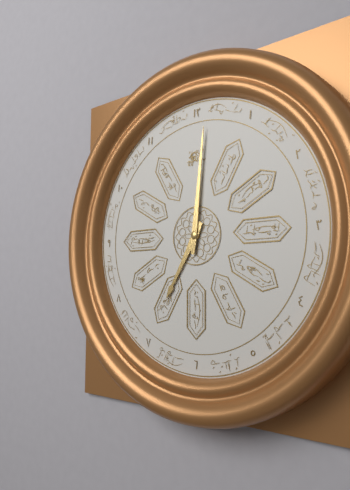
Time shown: 7:01
